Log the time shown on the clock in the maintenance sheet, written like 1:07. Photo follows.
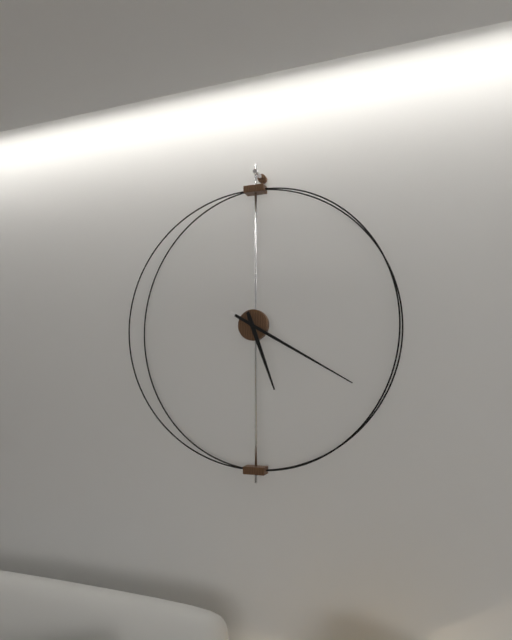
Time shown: 5:20
